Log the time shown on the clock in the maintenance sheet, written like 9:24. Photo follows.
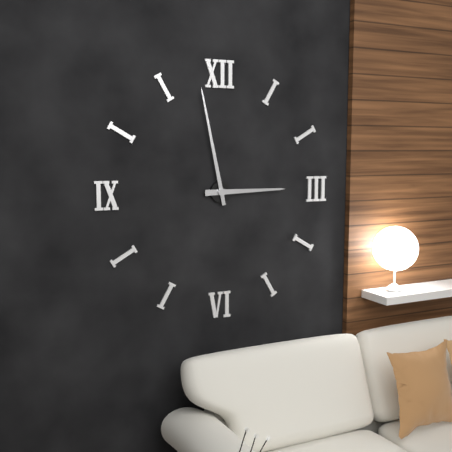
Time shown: 2:58
